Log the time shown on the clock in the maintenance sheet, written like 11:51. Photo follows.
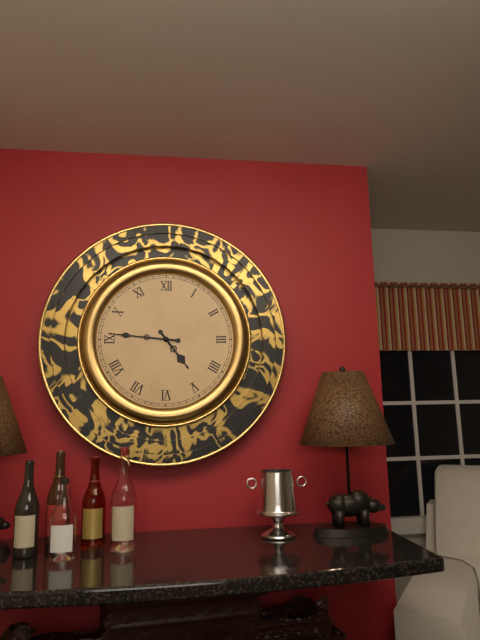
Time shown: 4:46
